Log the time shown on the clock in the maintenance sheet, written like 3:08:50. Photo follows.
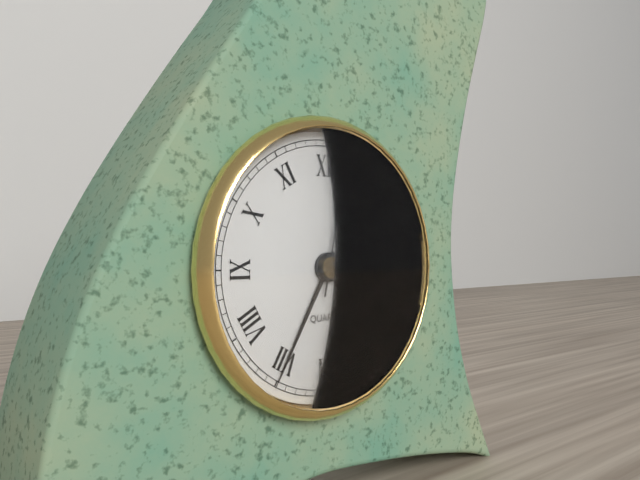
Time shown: 4:35:02
